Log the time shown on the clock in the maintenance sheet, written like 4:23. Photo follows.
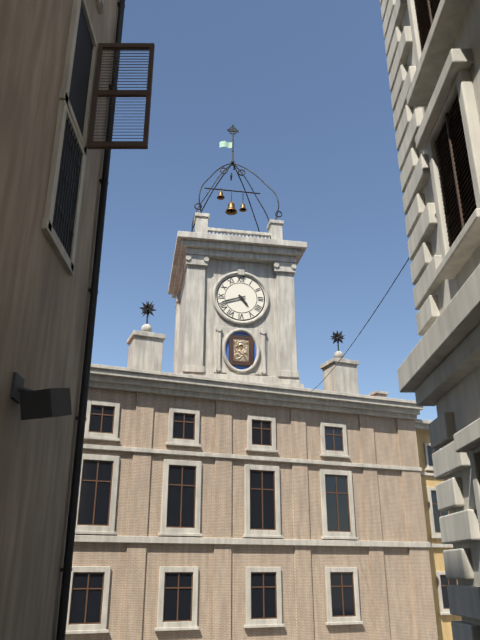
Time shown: 4:42
